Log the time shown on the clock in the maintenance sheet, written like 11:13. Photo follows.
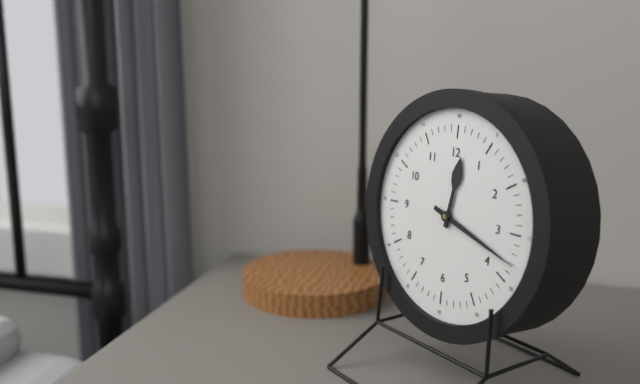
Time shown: 12:18
